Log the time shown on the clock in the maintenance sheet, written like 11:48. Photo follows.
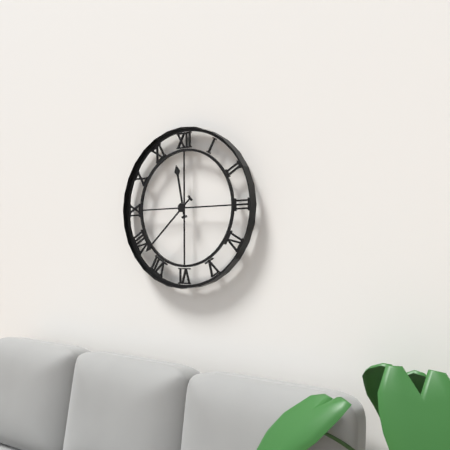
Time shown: 11:38
